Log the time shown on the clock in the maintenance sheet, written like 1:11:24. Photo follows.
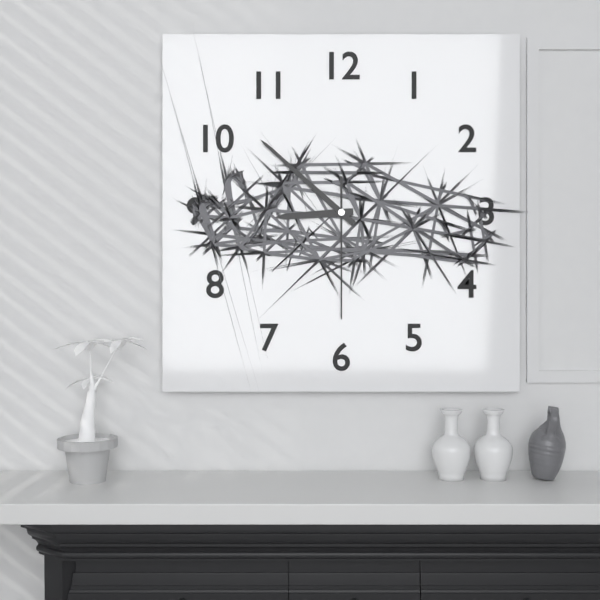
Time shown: 8:52:30
